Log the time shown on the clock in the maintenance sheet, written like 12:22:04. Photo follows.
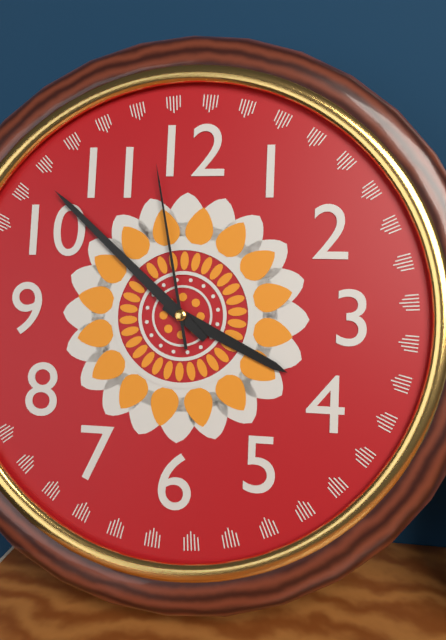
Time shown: 3:52:58
